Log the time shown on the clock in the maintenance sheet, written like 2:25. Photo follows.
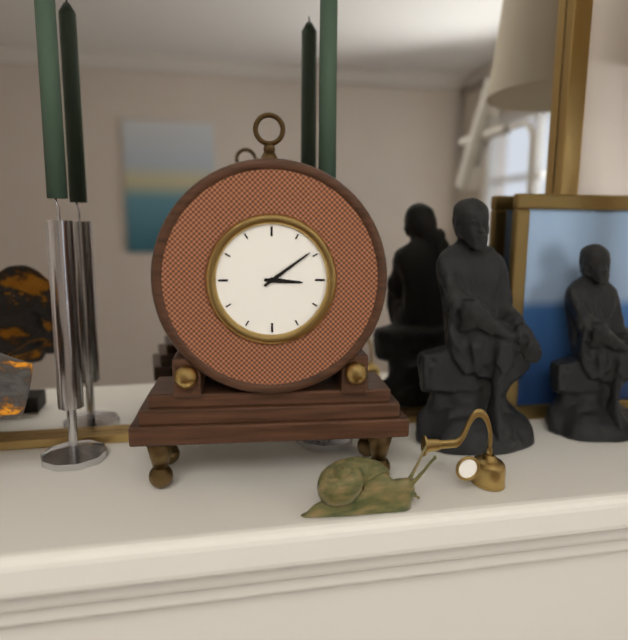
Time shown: 3:09
